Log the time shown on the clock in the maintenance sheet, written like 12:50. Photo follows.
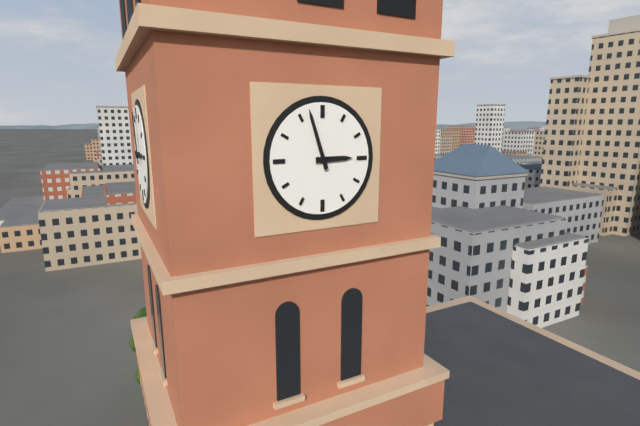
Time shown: 2:57
